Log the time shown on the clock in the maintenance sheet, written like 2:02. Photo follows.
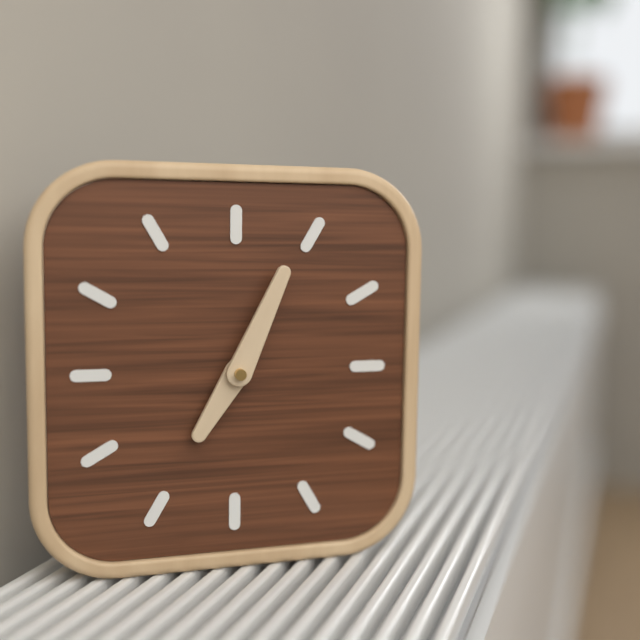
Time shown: 7:04
